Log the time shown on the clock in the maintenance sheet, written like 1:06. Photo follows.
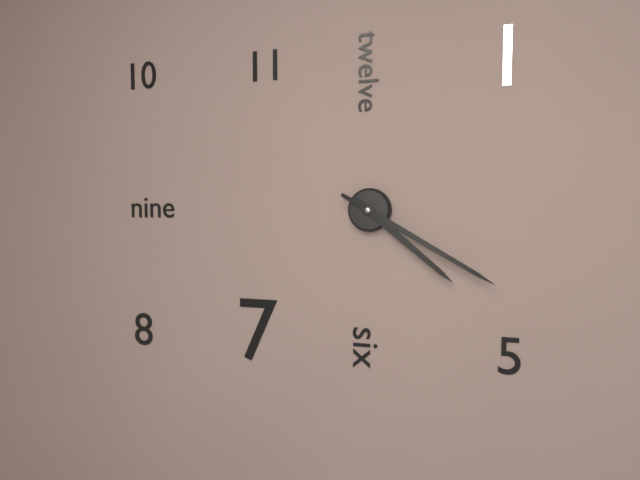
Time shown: 4:20
